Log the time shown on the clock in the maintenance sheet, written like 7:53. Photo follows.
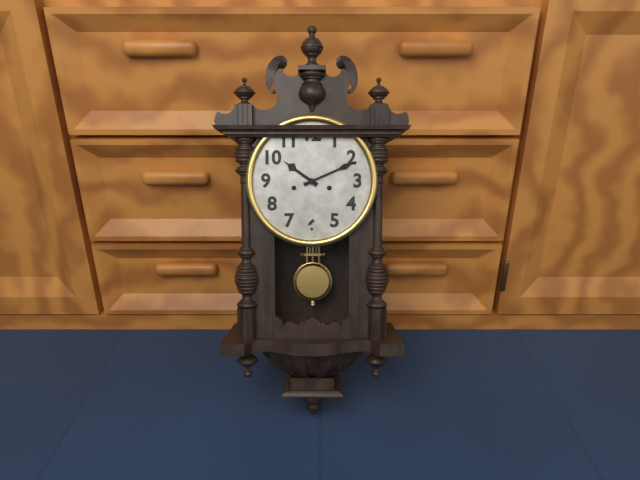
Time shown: 10:11
